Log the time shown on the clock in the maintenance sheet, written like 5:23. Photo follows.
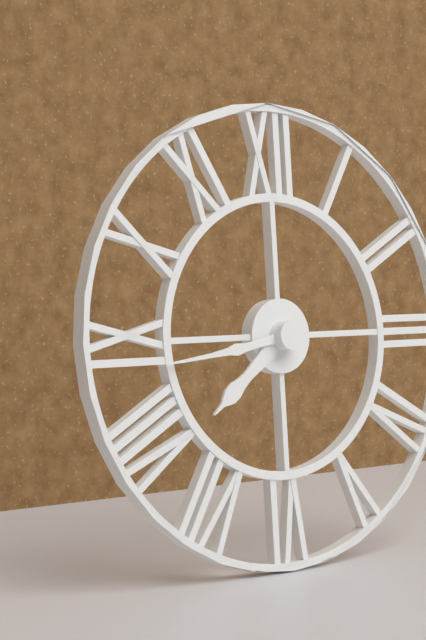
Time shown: 7:43
